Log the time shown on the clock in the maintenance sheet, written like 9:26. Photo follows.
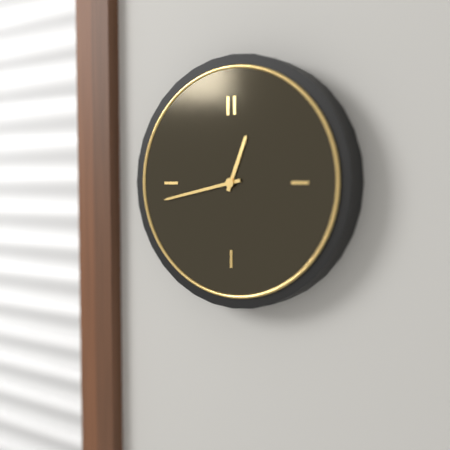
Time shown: 12:43
